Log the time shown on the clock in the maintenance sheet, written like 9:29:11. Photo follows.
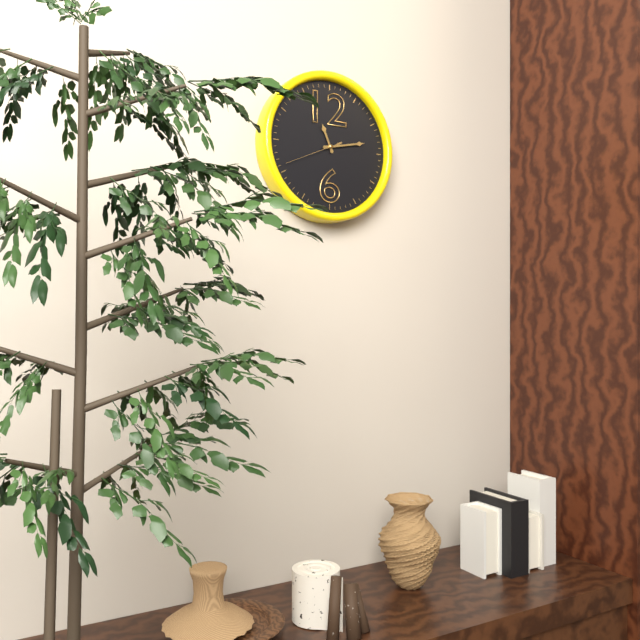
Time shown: 11:13:41
